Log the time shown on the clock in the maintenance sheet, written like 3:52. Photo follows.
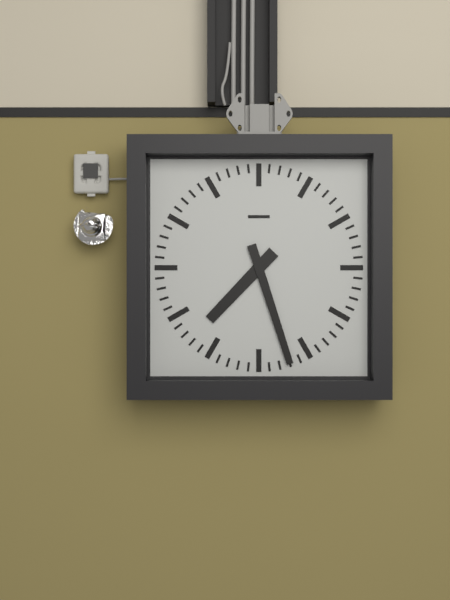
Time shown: 7:27
